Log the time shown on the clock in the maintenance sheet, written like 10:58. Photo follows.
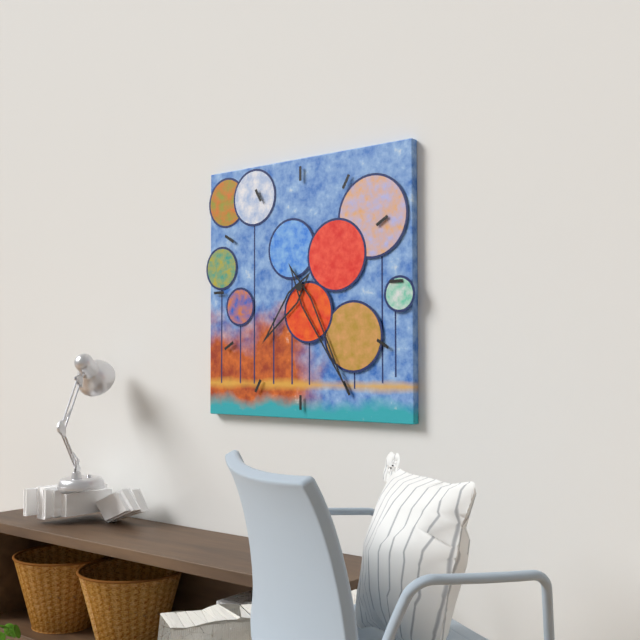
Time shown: 7:25
